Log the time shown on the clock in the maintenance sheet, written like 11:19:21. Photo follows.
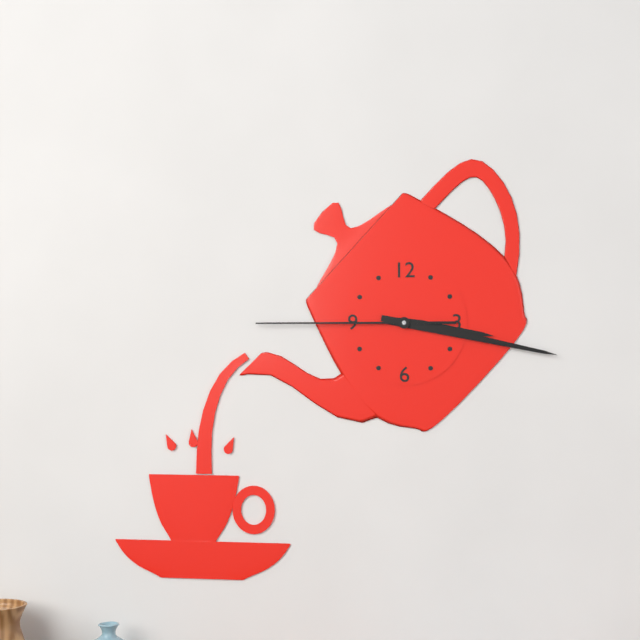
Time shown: 3:17:45
